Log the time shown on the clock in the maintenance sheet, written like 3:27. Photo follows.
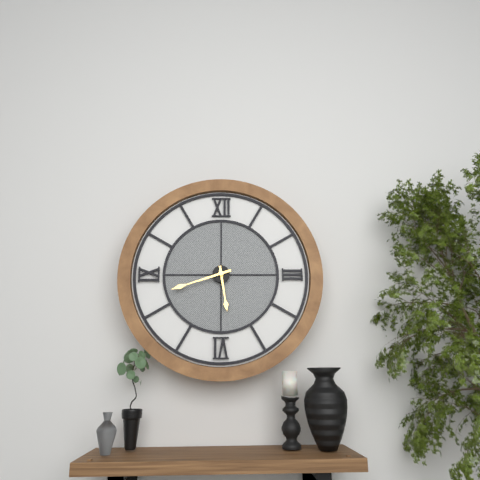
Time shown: 5:42
